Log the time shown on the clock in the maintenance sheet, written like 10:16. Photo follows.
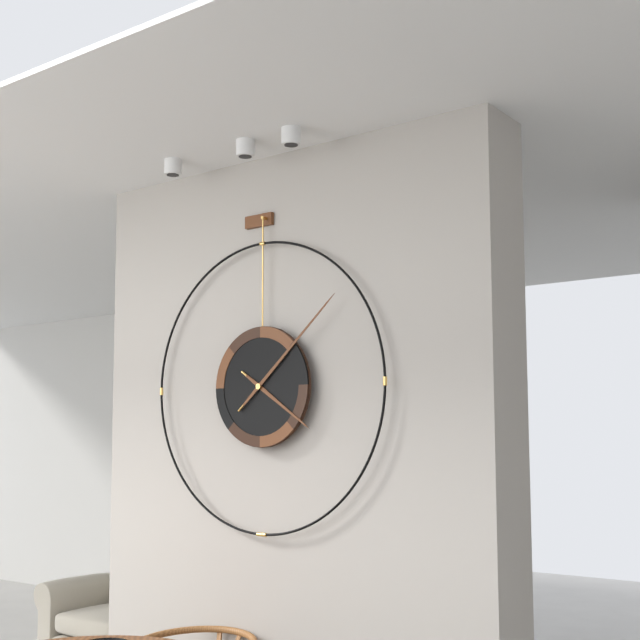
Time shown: 4:08
